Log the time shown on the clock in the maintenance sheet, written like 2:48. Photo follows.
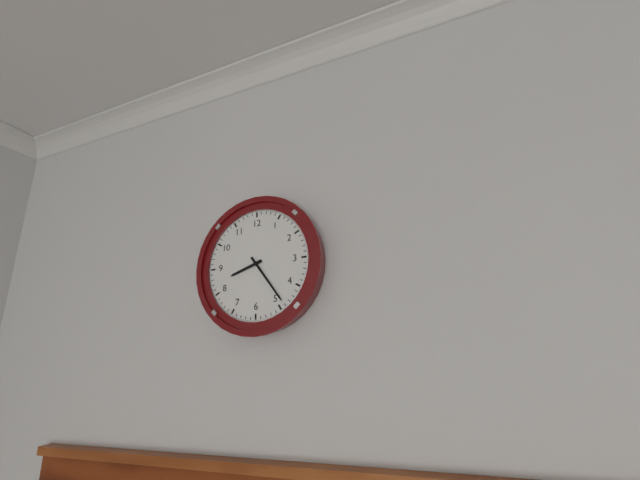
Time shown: 8:24
